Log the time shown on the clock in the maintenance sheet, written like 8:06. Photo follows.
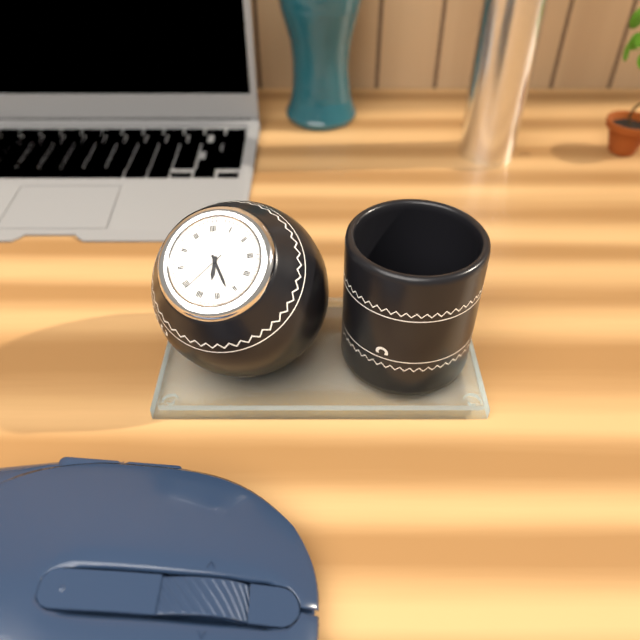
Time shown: 6:27
